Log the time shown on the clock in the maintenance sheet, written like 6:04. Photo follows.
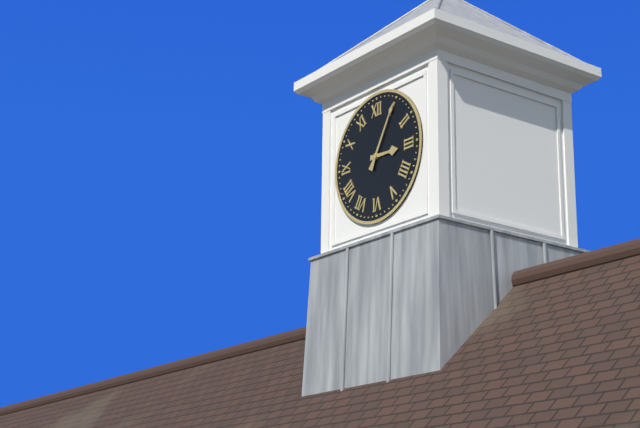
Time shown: 3:05
